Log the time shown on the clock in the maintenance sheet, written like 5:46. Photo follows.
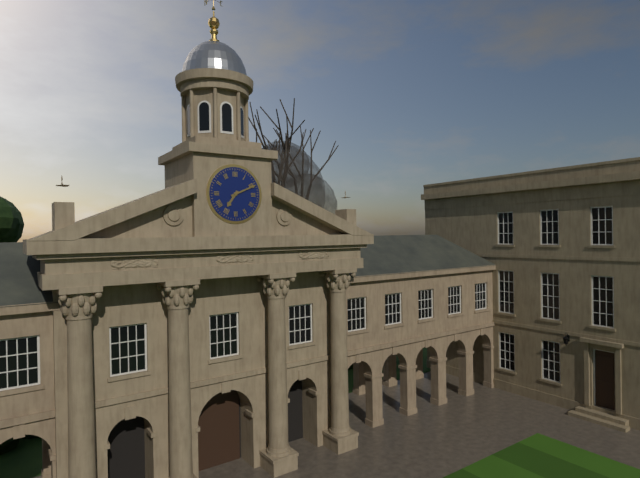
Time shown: 7:11
